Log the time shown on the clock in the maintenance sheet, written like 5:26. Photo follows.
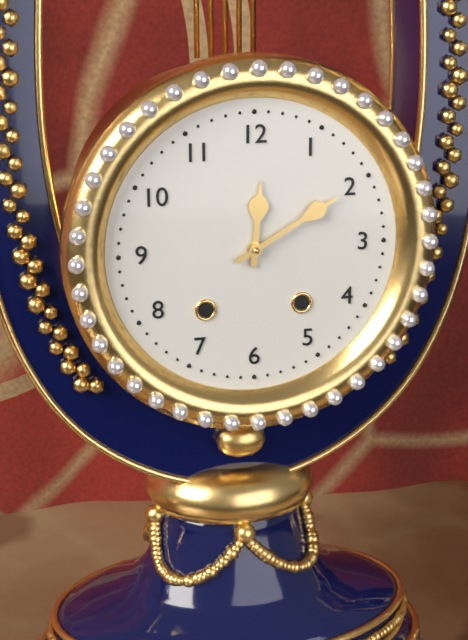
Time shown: 12:10
